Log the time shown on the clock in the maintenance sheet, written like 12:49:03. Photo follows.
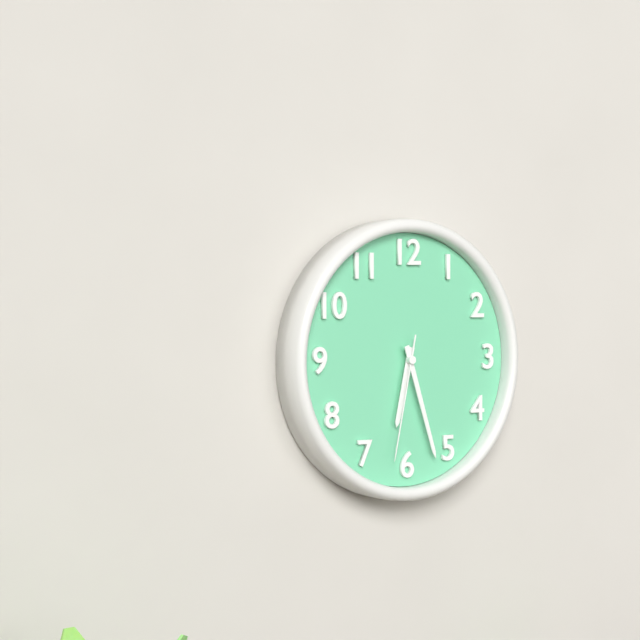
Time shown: 6:27:32
